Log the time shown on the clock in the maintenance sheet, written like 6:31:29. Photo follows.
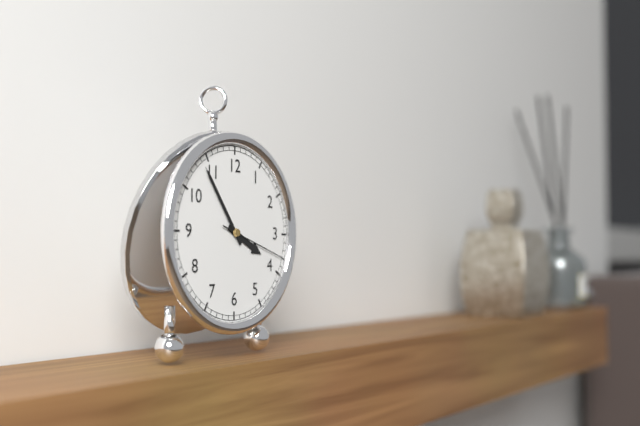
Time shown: 3:54:18
